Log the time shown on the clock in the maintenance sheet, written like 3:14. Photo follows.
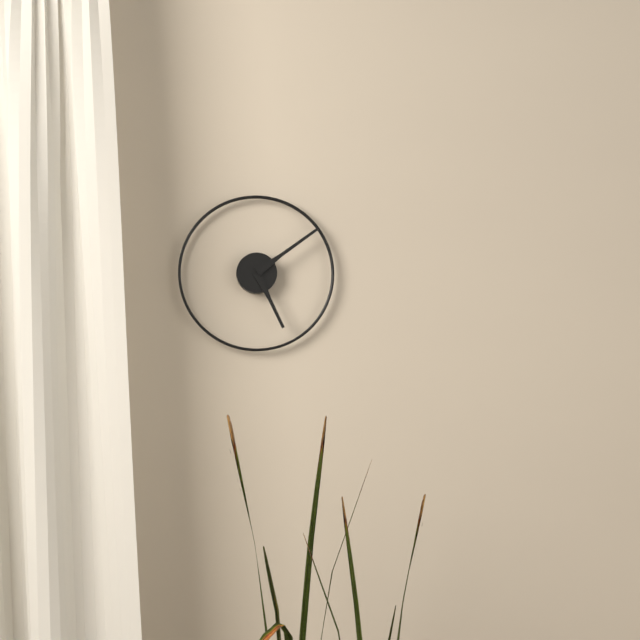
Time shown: 5:09
